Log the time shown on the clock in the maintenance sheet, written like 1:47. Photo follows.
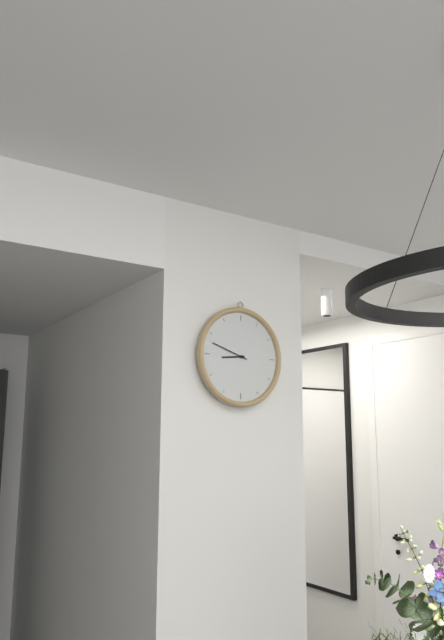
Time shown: 8:48
